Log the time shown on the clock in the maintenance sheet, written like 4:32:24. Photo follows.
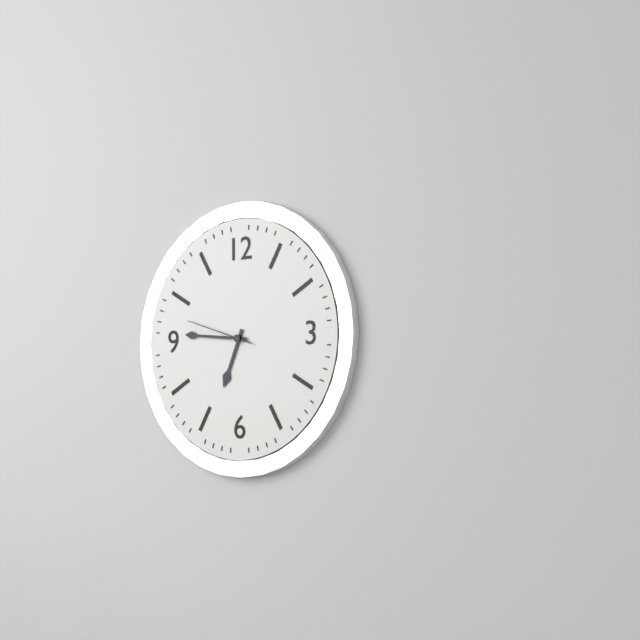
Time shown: 6:46:48
